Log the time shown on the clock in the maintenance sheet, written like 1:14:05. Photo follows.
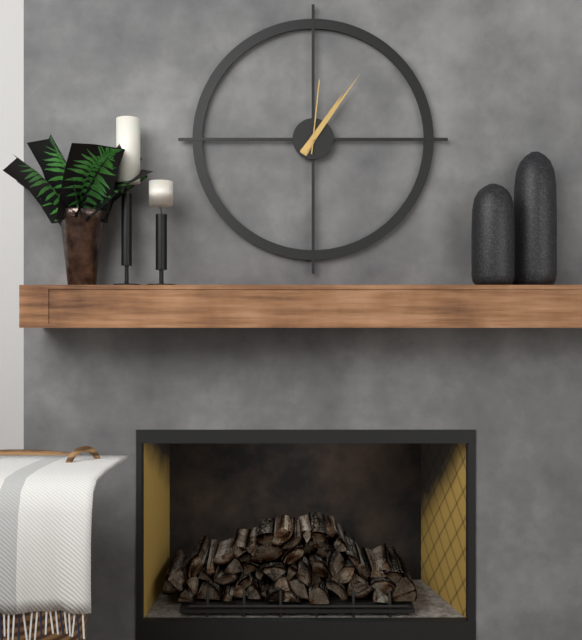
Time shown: 1:06:01
